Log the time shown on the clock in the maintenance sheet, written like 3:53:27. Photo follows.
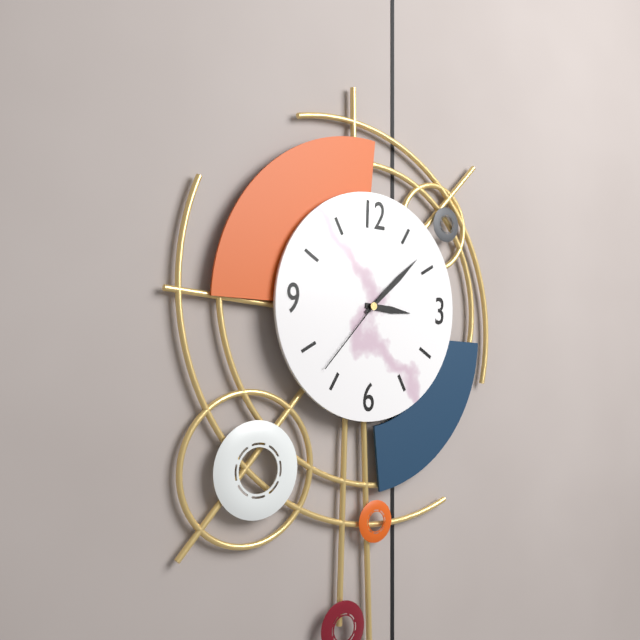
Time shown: 3:08:37
